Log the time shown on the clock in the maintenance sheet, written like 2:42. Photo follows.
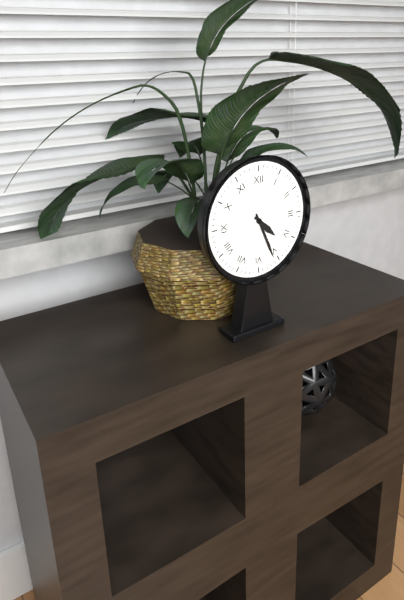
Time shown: 4:26
